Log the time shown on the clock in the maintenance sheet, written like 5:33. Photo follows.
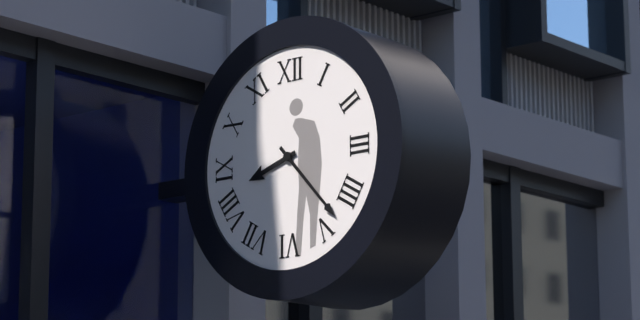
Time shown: 8:23
